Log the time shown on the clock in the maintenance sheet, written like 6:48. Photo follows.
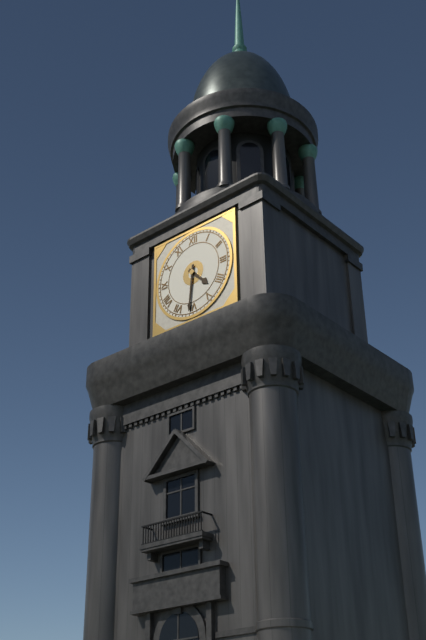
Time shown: 4:31
